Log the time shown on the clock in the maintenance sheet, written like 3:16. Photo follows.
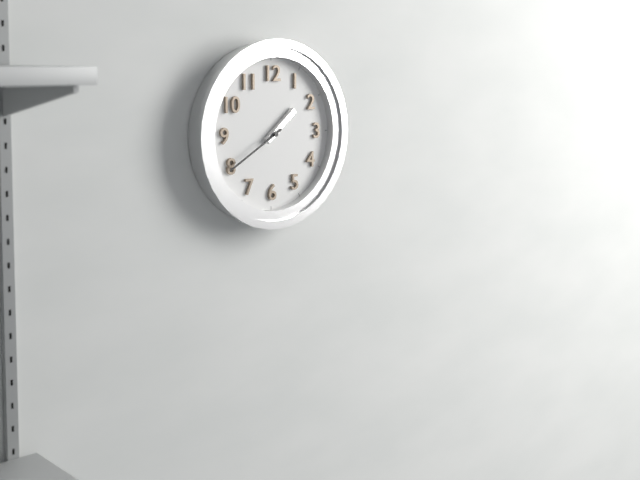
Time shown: 1:40
